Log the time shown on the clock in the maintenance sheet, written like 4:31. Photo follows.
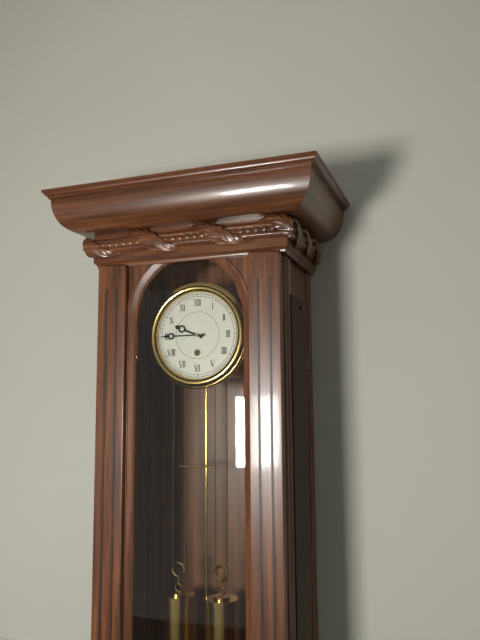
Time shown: 9:45
